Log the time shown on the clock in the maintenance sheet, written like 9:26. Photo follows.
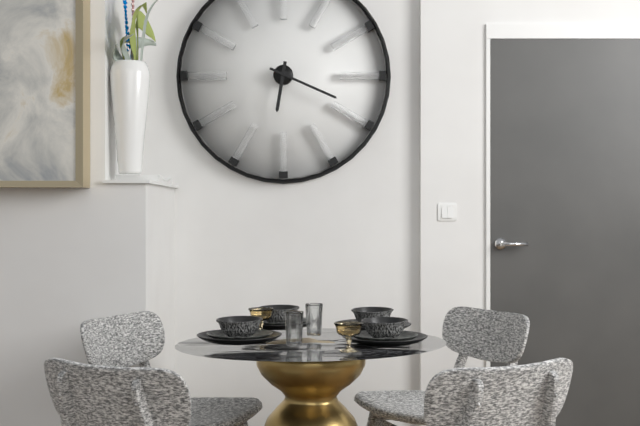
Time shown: 6:19
